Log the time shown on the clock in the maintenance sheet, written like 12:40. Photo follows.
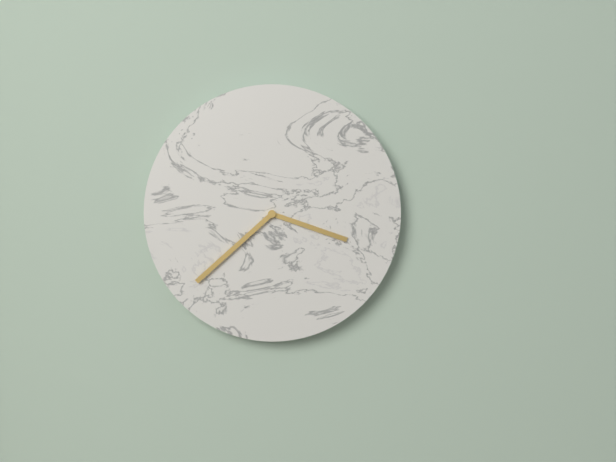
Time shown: 3:38
